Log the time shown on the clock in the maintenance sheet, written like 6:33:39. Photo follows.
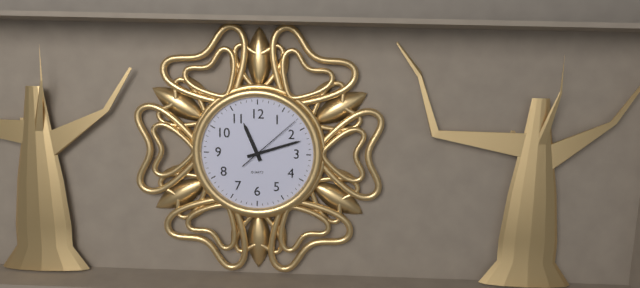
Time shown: 11:12:08
